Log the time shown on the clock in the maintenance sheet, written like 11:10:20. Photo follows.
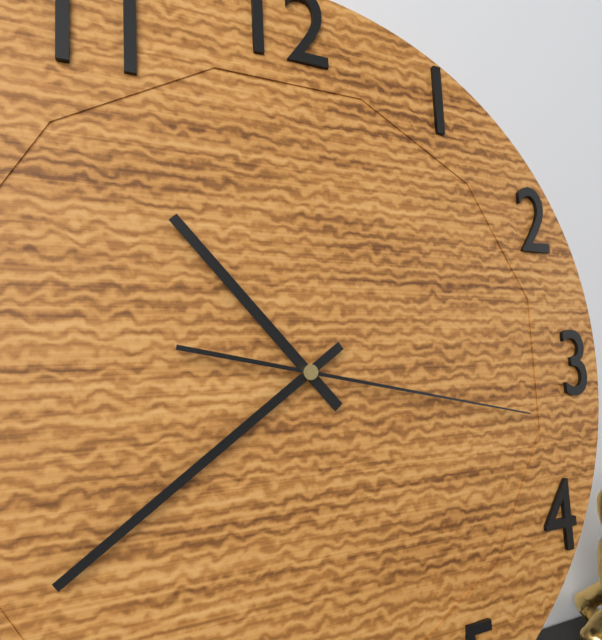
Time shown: 10:39:17
